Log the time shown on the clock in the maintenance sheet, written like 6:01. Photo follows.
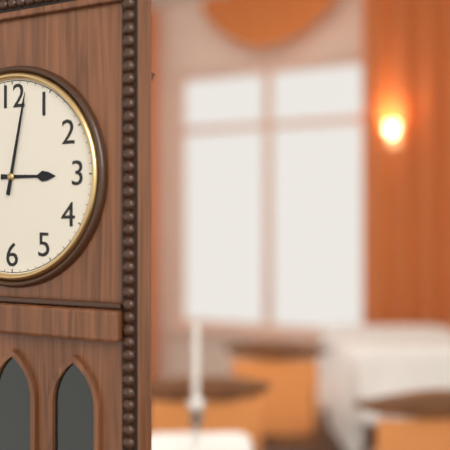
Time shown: 3:02
